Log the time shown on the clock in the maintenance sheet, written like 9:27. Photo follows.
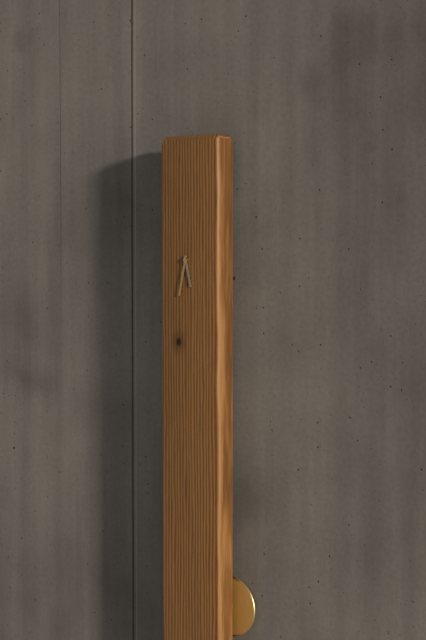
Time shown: 5:32
